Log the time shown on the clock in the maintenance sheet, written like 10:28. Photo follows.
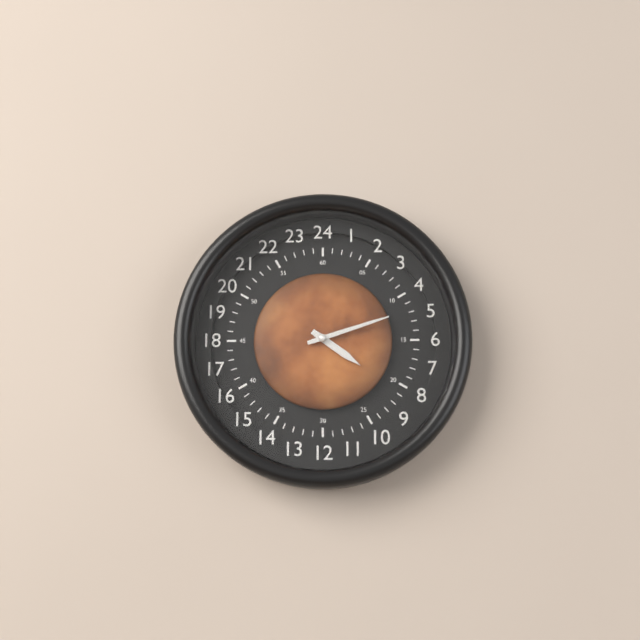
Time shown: 4:12
